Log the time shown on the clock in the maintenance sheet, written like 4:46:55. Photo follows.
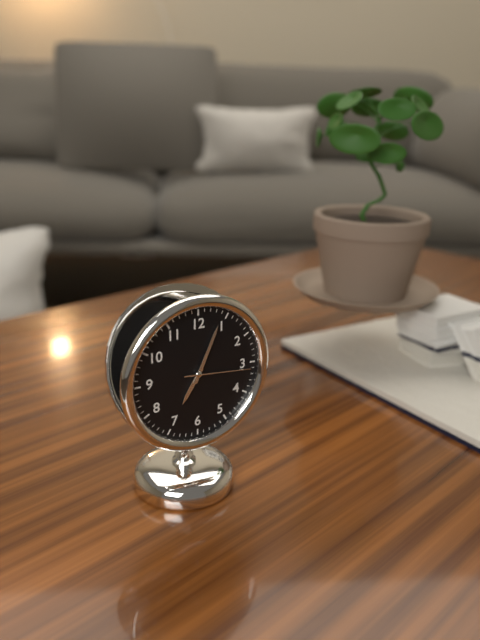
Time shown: 7:04:16
